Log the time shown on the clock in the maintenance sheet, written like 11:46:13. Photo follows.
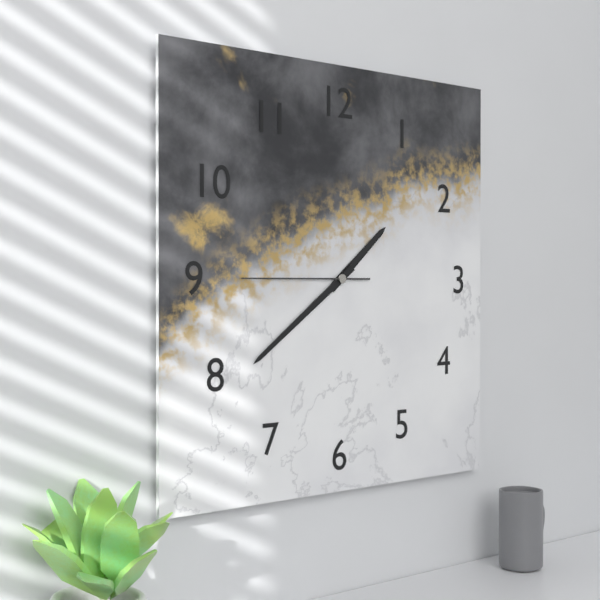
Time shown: 1:39:45
